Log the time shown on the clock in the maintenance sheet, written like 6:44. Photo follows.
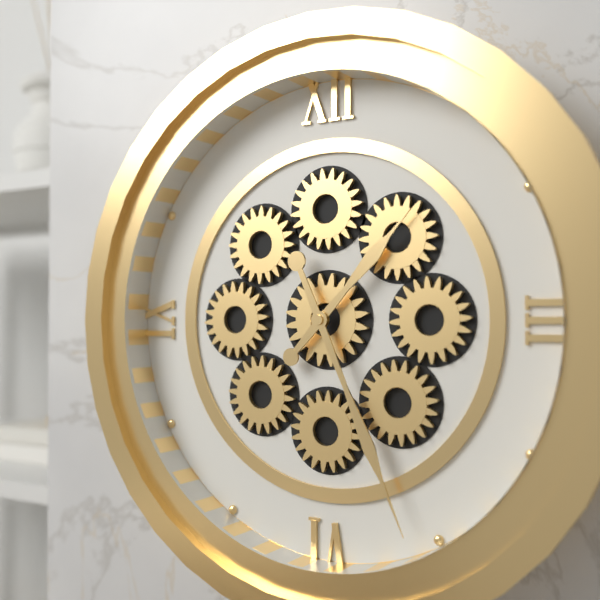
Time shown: 1:26
